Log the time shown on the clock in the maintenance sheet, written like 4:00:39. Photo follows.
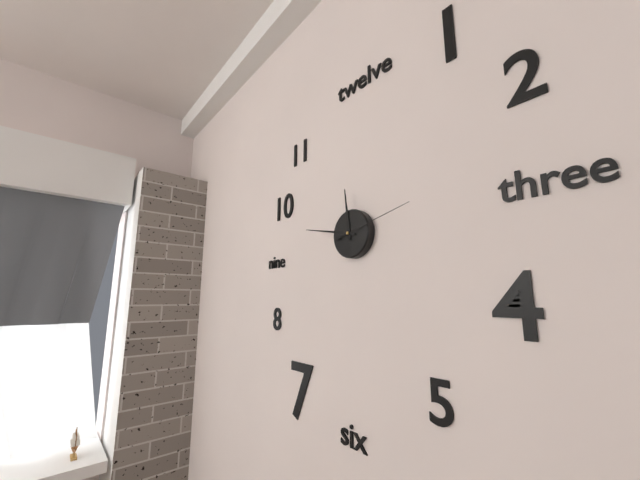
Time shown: 11:47:13
